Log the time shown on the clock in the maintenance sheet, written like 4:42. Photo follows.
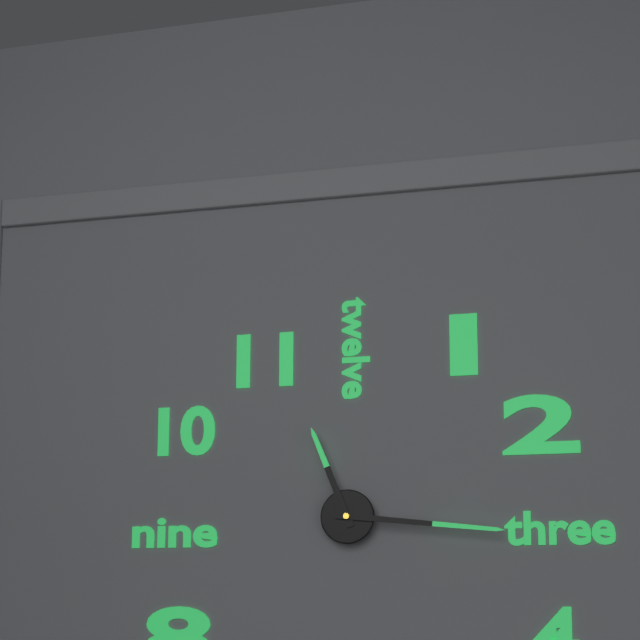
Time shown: 11:16
